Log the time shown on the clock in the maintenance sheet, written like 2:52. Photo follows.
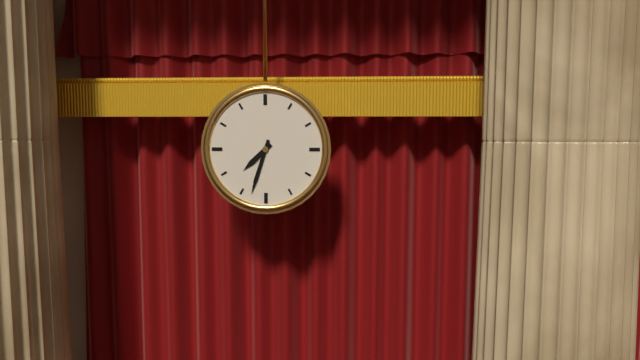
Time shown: 7:33
